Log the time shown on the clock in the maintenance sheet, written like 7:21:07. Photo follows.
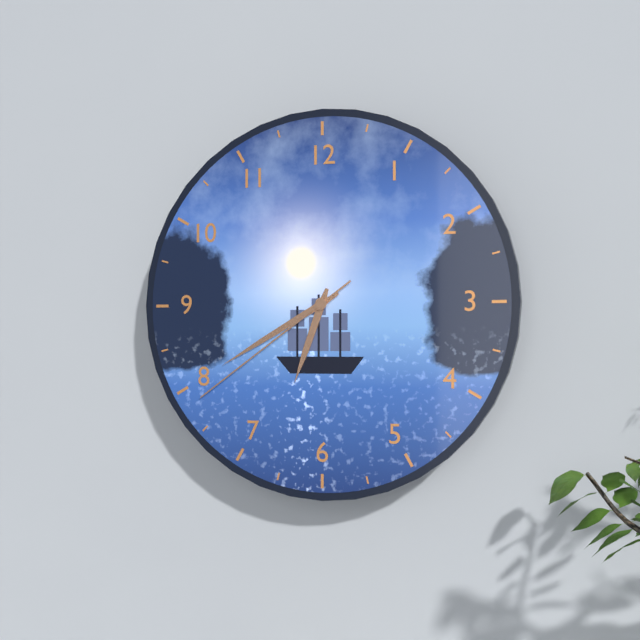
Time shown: 6:40:39
